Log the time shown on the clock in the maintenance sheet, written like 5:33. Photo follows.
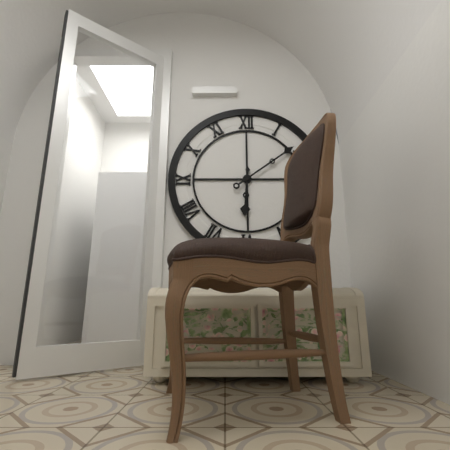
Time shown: 6:09
